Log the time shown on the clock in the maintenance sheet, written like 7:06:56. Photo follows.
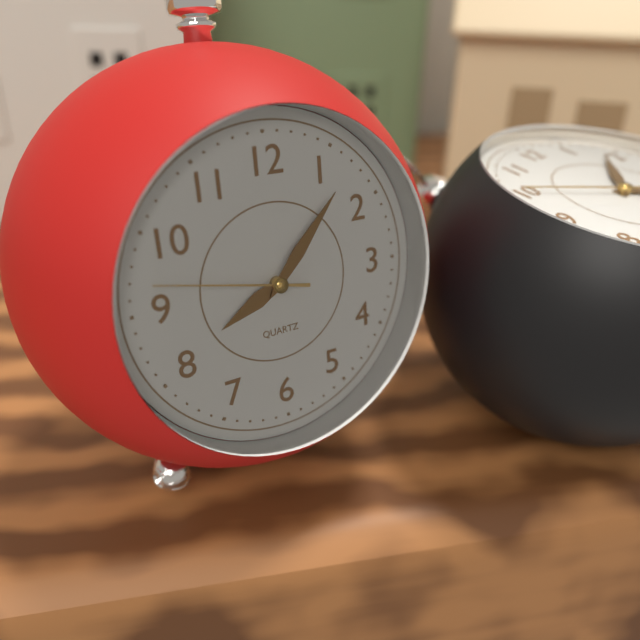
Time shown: 8:07:47
